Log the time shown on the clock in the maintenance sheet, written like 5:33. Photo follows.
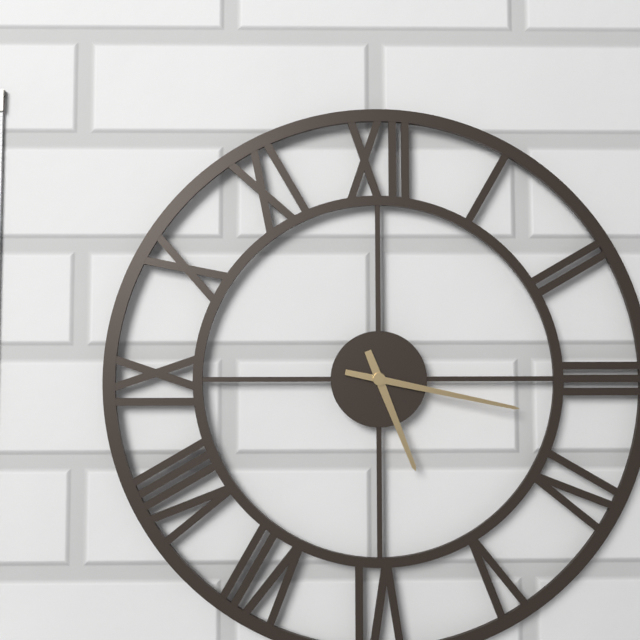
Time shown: 5:17
